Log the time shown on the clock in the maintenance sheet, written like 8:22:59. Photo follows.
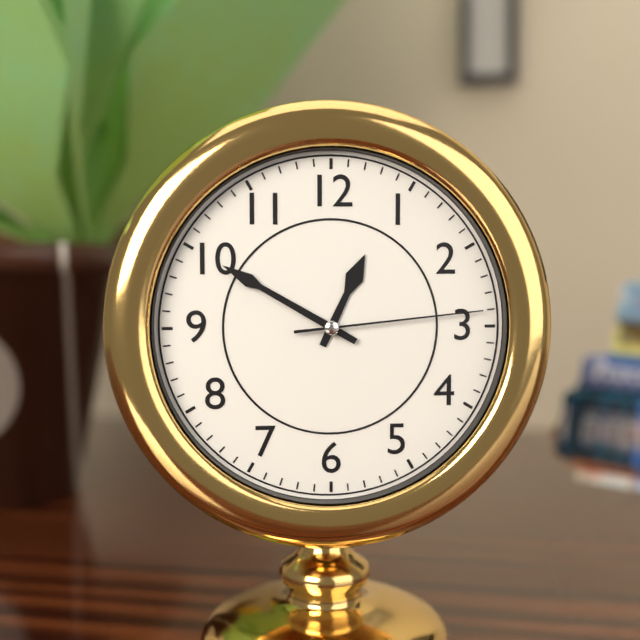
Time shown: 12:50:14
